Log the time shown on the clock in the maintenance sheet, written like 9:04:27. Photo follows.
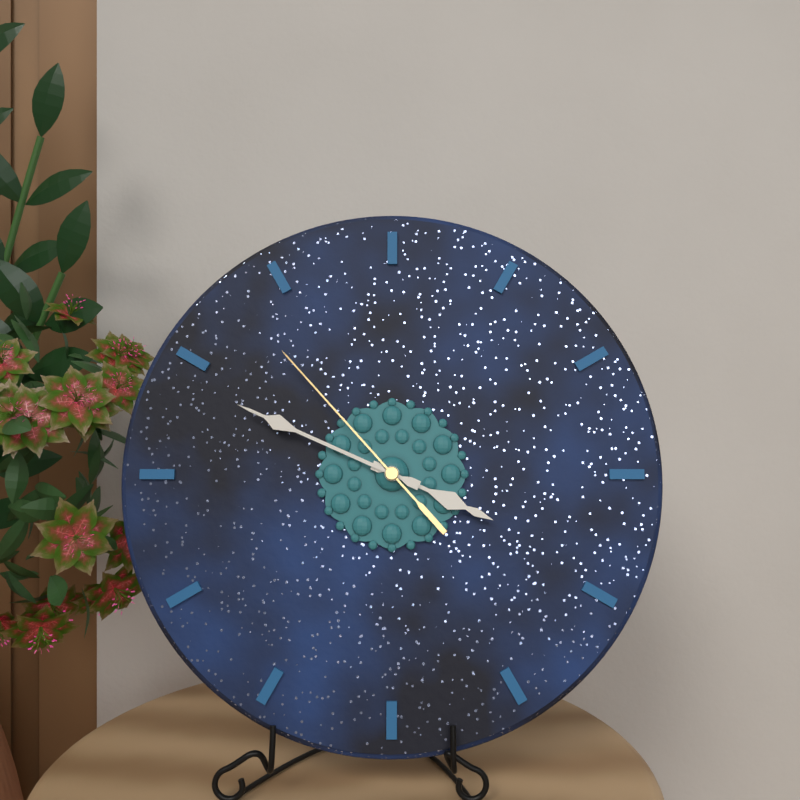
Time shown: 3:49:53
